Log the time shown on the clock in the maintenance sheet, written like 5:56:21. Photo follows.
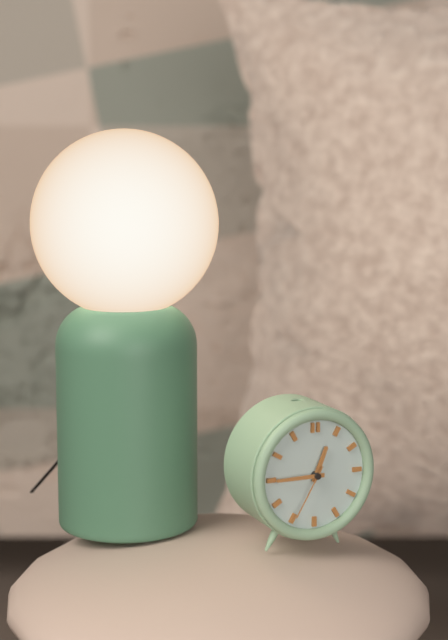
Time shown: 12:45:35
